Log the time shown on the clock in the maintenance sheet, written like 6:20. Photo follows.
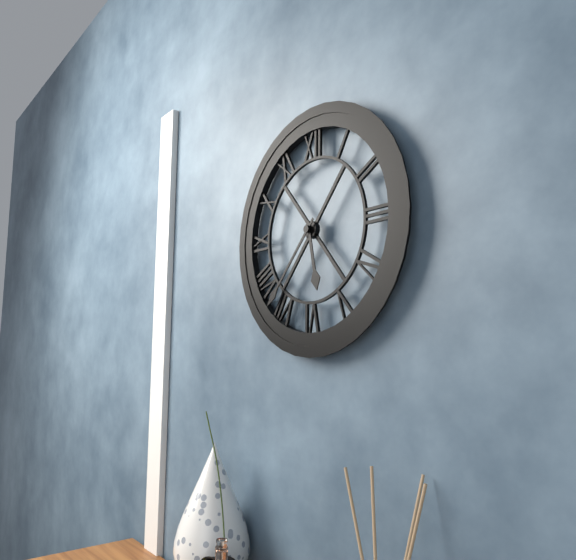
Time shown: 5:37
